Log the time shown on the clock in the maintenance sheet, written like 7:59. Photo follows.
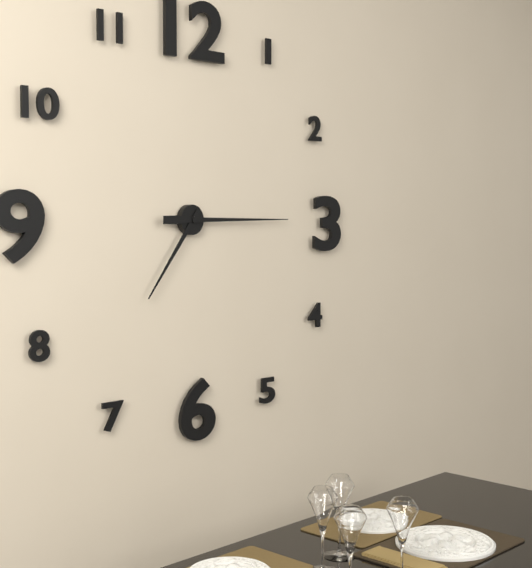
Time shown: 7:15
